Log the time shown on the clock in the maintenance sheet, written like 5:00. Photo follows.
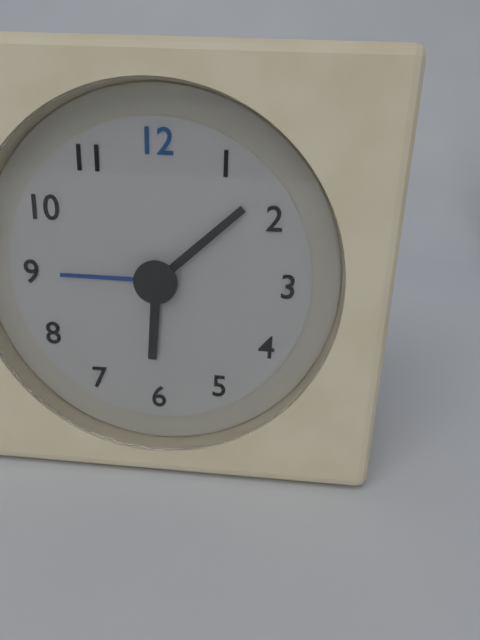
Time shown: 6:08
